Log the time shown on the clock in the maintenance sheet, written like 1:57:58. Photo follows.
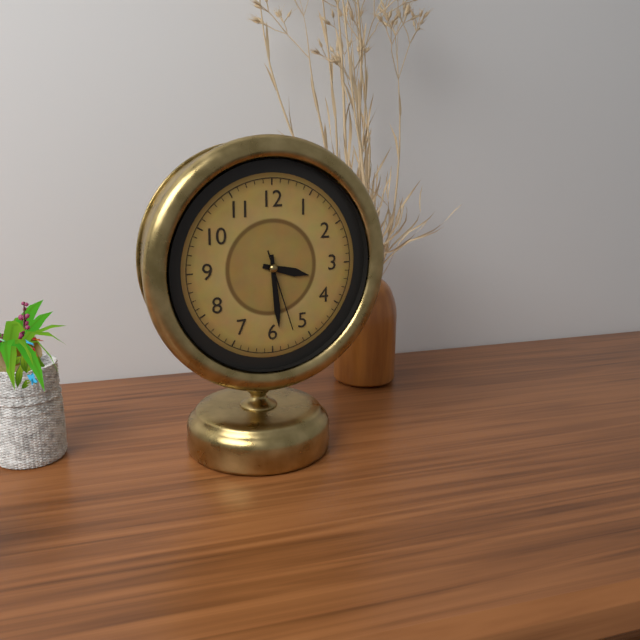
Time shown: 3:29:27
